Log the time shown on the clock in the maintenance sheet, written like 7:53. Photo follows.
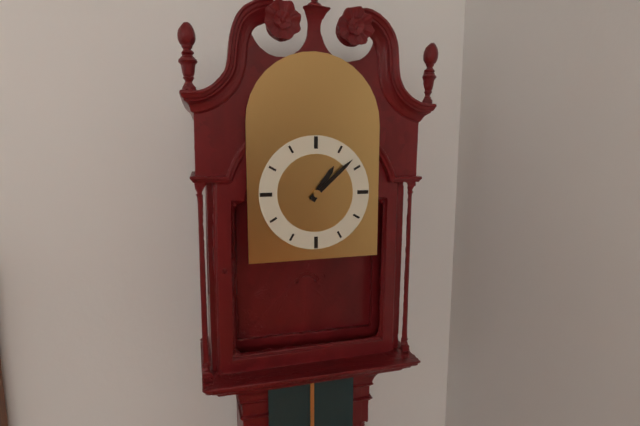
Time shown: 1:08
